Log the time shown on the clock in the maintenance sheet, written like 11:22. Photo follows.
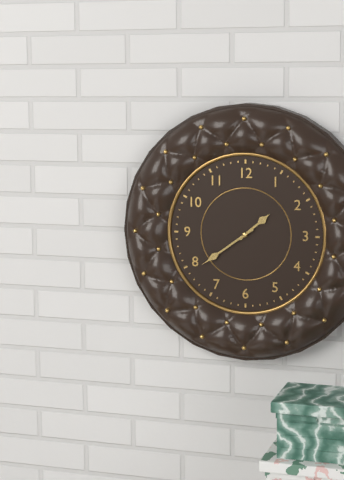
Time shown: 1:39
